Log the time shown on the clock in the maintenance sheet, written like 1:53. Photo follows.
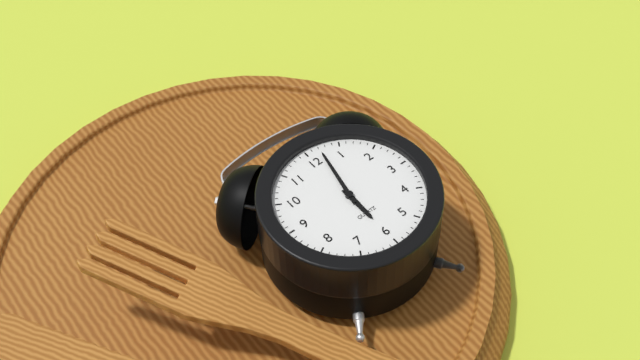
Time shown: 6:02
